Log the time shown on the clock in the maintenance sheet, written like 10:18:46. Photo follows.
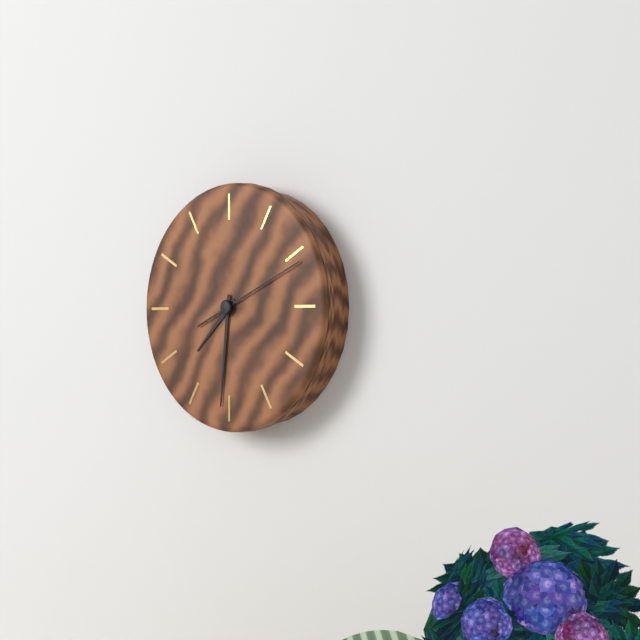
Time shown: 7:31:11
